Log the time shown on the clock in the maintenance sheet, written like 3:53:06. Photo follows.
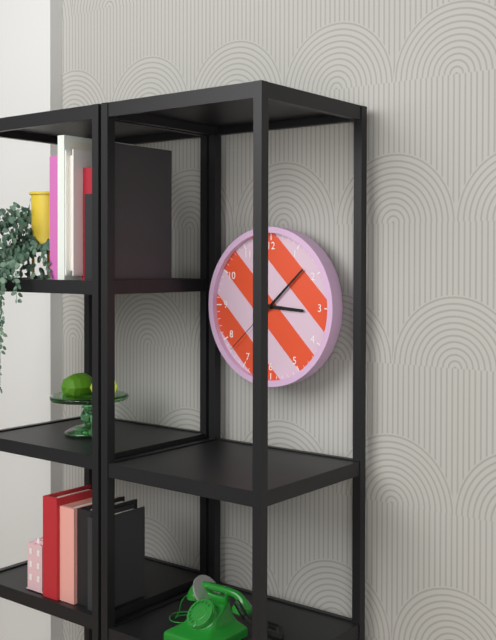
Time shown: 3:08:38
